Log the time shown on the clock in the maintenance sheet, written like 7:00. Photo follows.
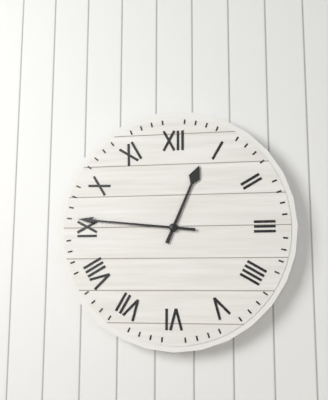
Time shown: 12:46
